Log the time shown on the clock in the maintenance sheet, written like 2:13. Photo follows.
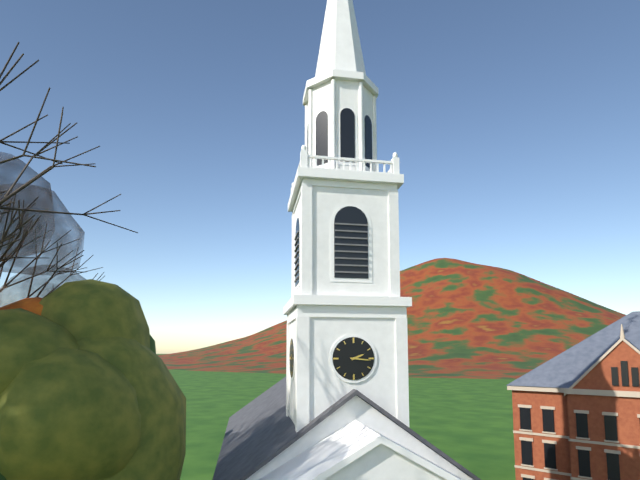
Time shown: 2:16
